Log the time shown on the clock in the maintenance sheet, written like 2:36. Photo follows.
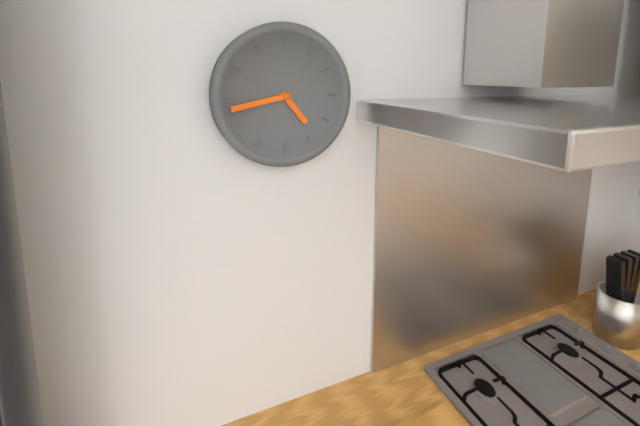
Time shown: 4:43
